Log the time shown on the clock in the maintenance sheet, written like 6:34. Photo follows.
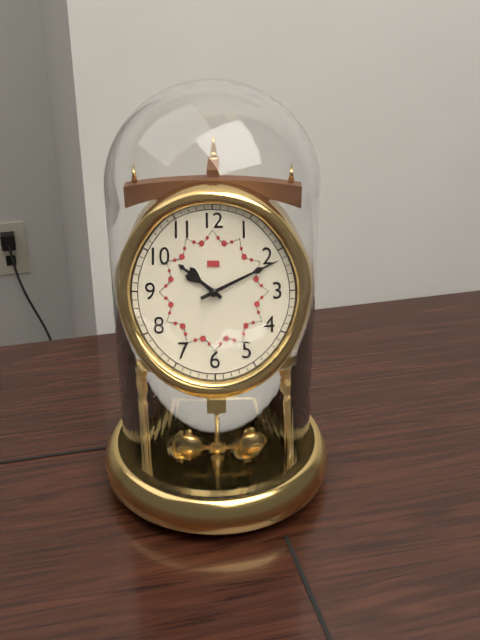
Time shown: 10:11
